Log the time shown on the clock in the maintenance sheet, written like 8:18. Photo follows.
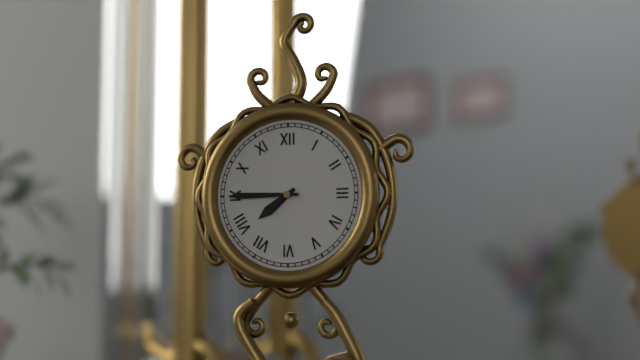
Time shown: 7:45
